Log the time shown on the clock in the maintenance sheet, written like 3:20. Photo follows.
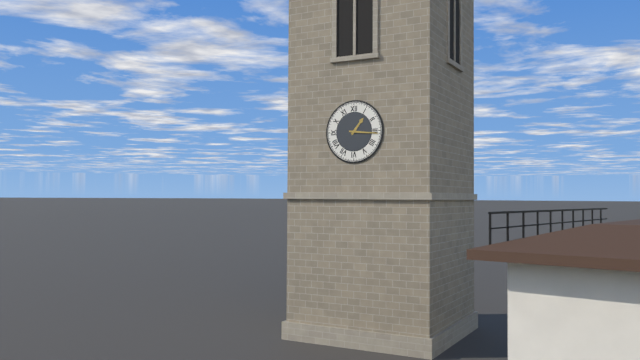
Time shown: 1:16
